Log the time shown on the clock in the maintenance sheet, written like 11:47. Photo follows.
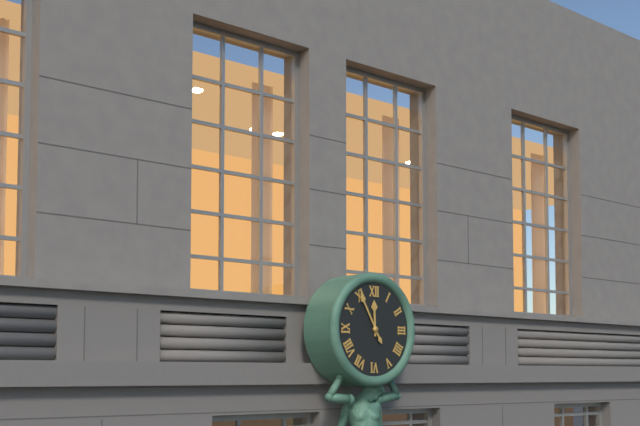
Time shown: 11:55
